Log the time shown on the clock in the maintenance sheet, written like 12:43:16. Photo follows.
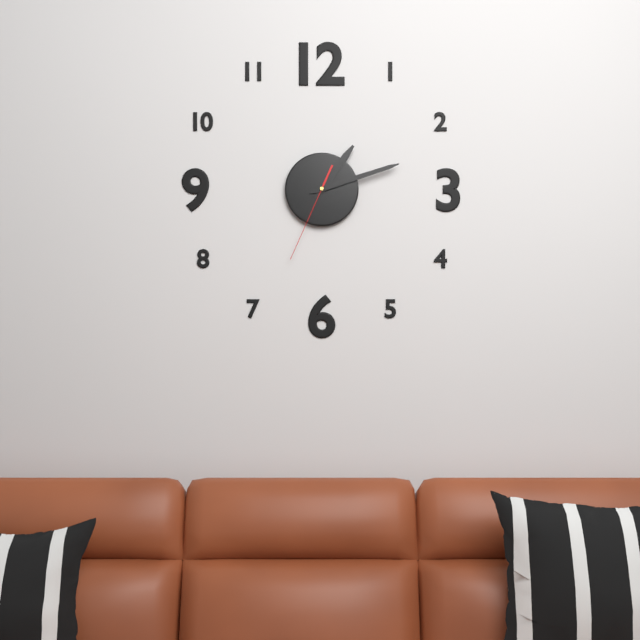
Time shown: 1:12:34
